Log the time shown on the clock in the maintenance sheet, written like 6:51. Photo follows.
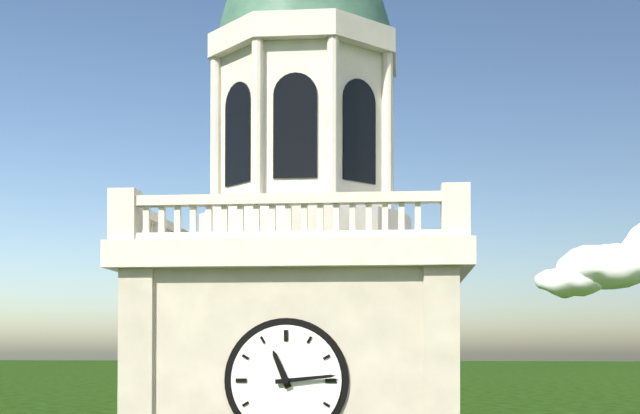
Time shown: 11:14
